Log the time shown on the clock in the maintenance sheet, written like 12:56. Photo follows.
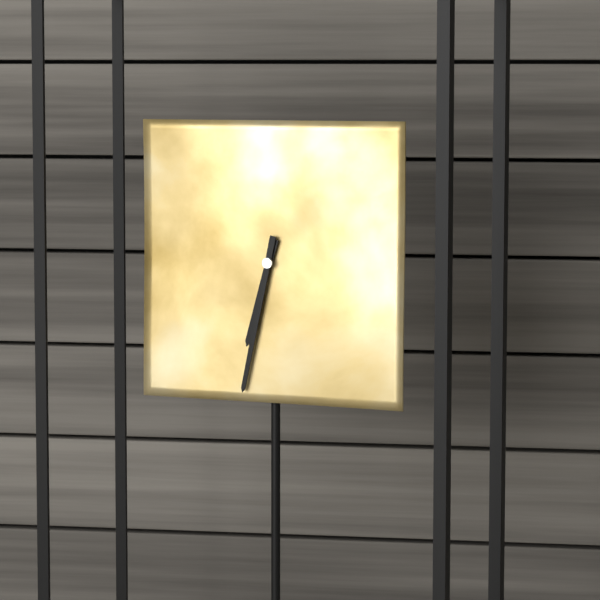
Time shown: 6:32
